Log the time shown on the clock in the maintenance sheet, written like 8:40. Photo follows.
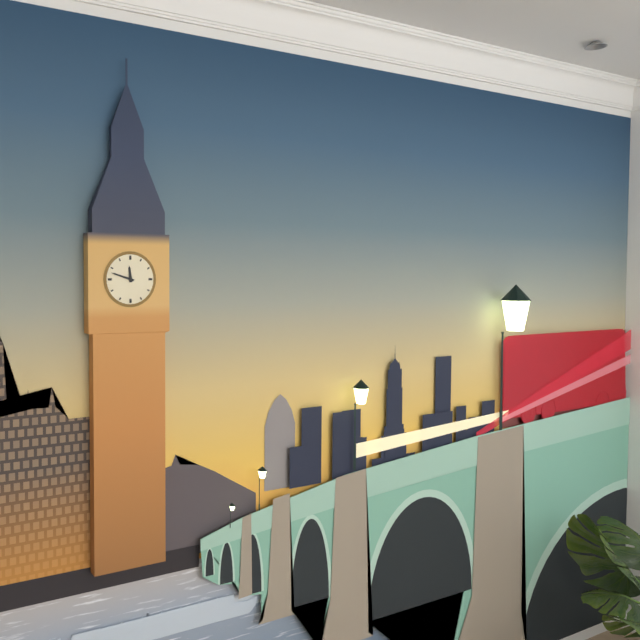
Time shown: 11:48
